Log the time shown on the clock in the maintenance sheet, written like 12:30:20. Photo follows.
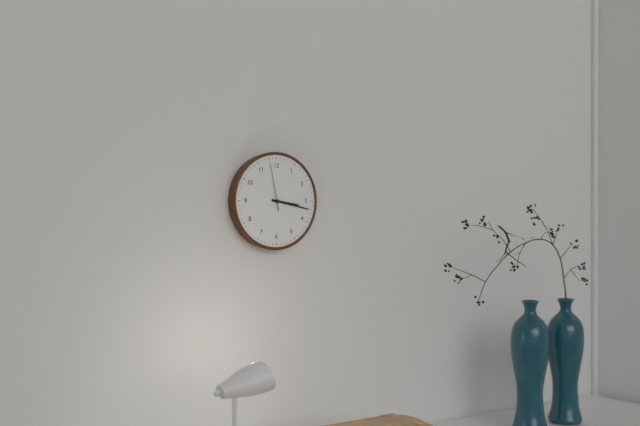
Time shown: 3:17:58
